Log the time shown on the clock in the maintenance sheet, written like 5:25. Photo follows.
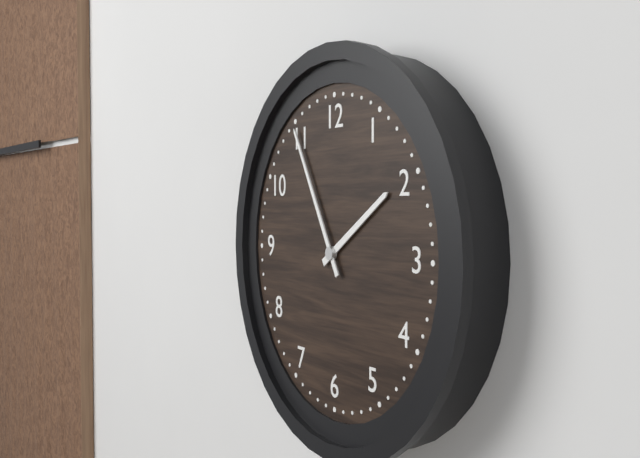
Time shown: 1:55
